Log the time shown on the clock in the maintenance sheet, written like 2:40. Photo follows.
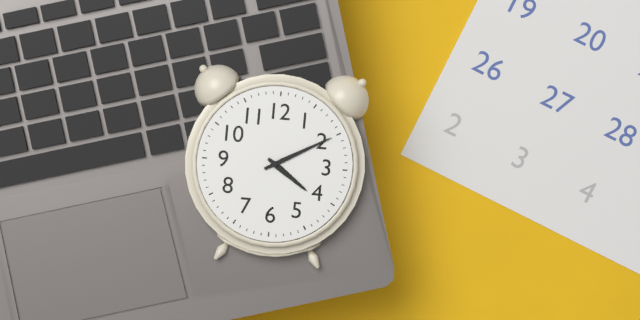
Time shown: 4:10
